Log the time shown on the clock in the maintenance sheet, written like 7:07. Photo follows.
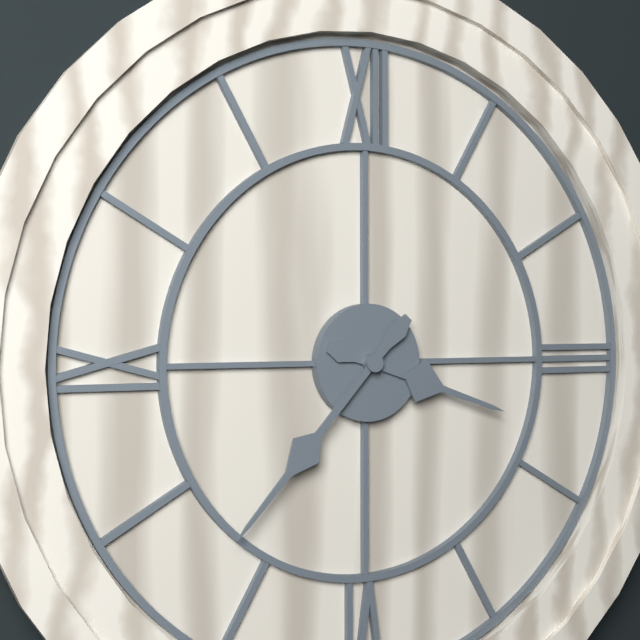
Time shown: 3:37
